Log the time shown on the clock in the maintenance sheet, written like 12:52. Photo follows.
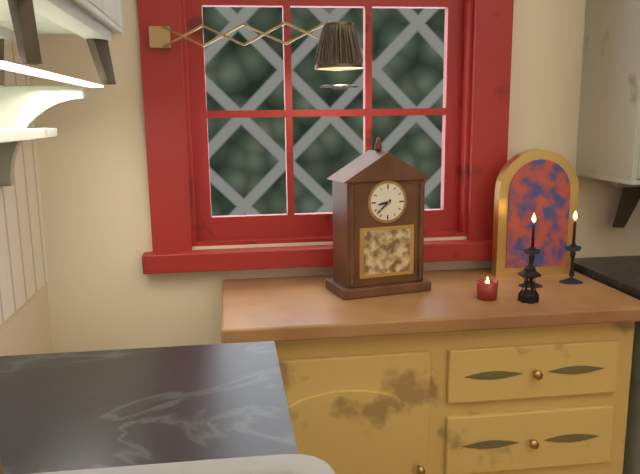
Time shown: 8:38
